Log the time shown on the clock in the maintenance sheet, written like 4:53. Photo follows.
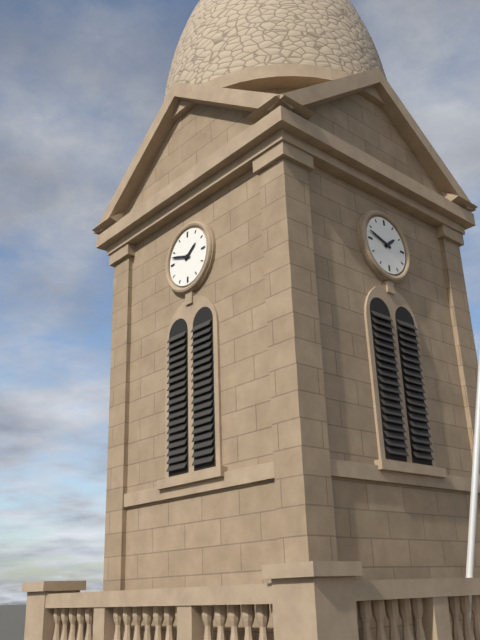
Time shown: 1:48
